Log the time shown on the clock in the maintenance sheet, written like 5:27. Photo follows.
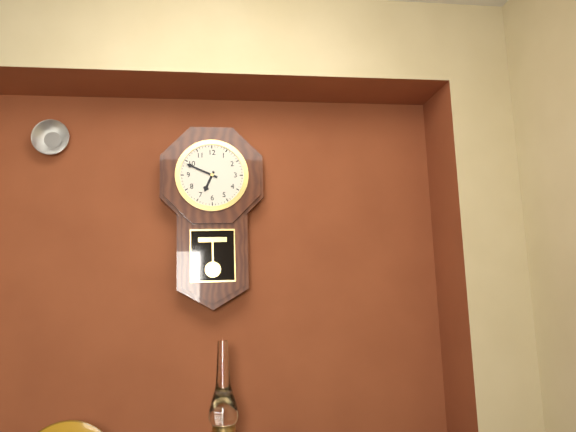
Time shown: 6:49
